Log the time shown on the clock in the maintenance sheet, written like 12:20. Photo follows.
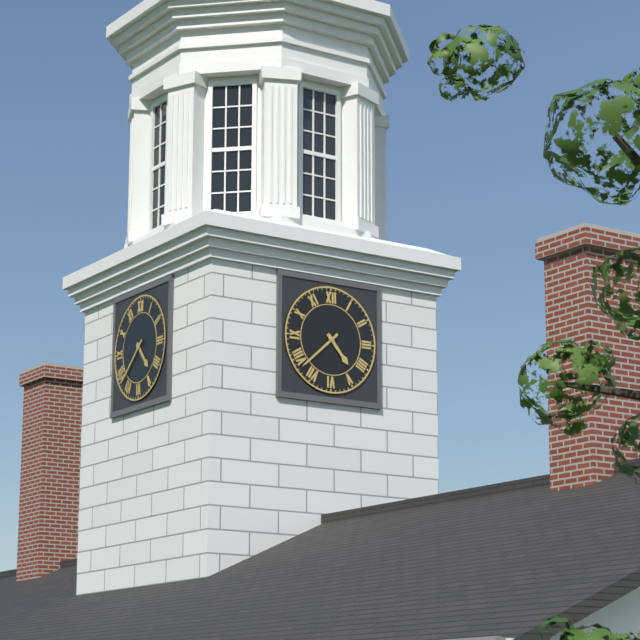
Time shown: 4:38
